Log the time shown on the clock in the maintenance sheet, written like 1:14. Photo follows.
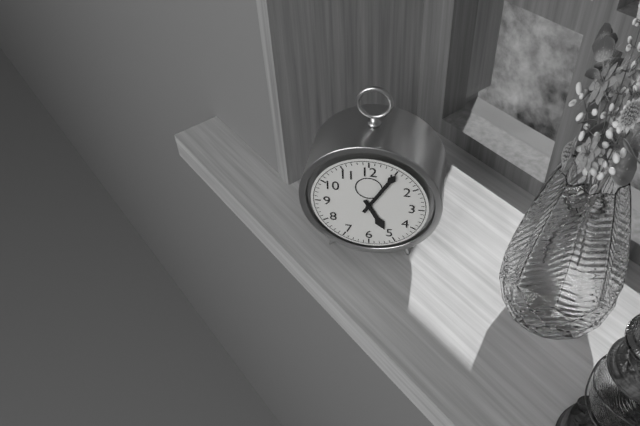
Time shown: 5:05
